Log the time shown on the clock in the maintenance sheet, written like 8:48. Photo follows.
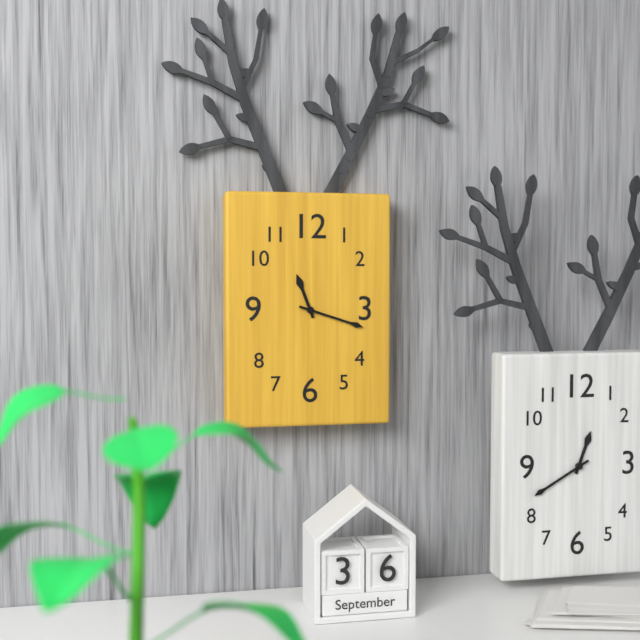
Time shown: 11:18
